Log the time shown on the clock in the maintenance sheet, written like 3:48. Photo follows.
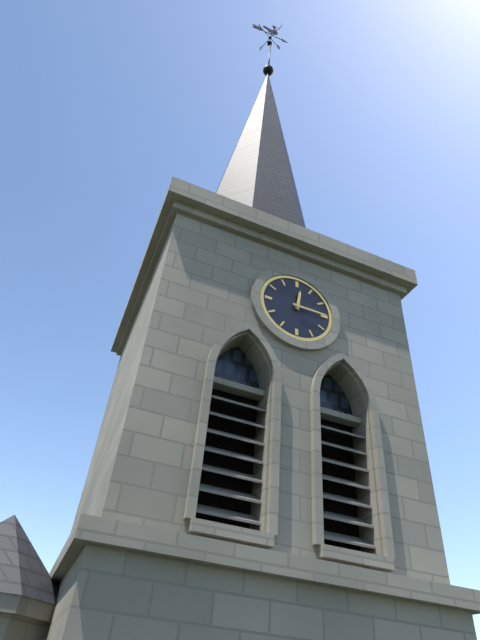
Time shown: 12:15
